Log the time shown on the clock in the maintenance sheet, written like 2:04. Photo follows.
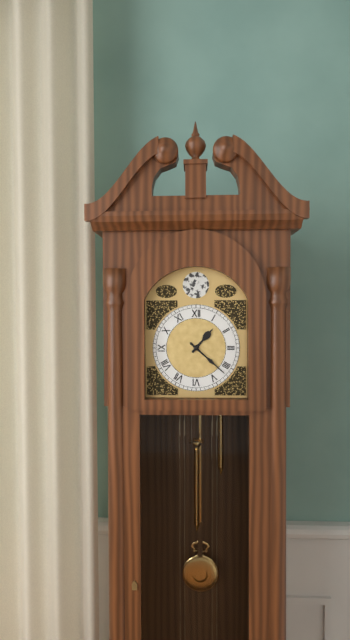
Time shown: 1:22
